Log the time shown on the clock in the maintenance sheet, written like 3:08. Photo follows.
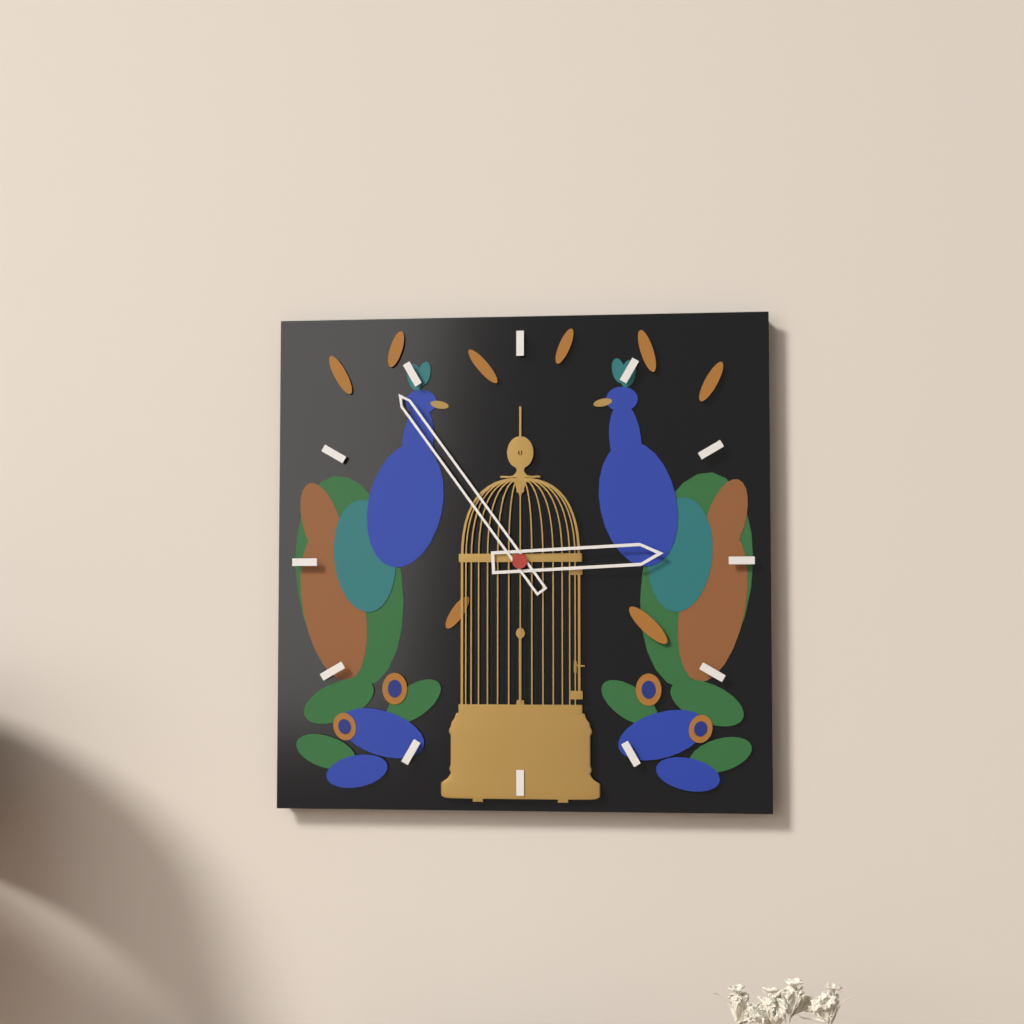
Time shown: 2:54
